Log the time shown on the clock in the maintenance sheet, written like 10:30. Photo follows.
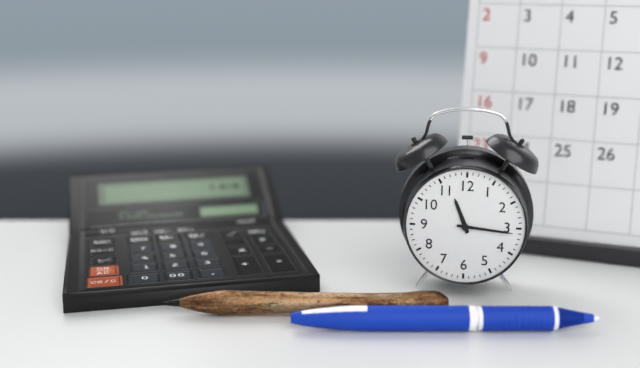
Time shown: 11:16
